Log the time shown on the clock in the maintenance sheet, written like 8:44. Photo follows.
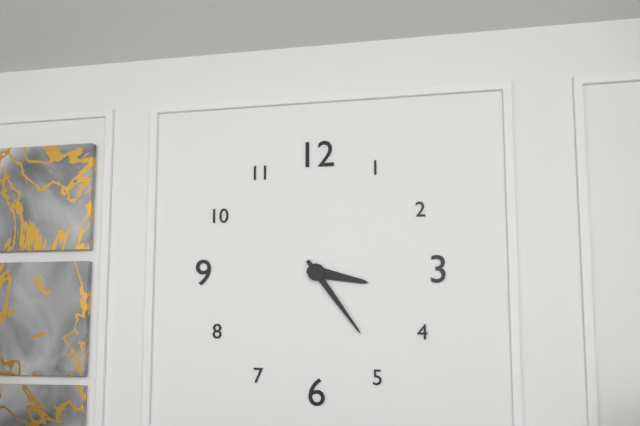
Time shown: 3:24
